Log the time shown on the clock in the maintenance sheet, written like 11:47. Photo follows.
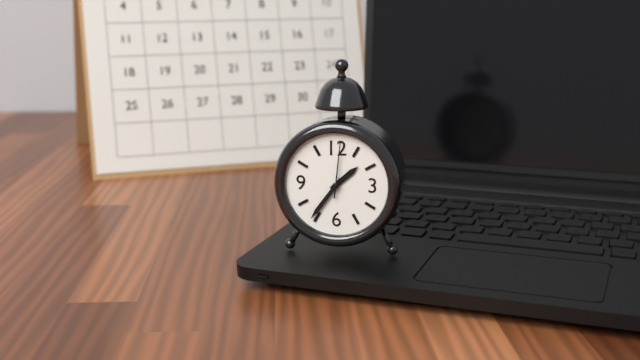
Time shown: 1:36
